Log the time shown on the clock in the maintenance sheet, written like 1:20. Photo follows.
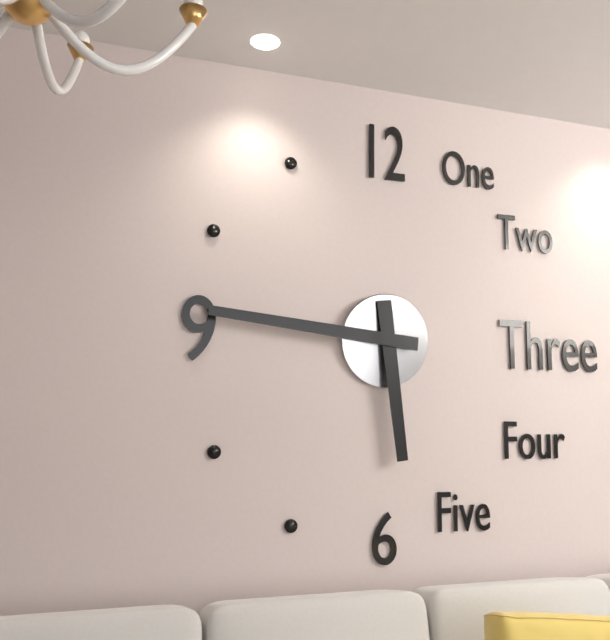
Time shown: 5:46
